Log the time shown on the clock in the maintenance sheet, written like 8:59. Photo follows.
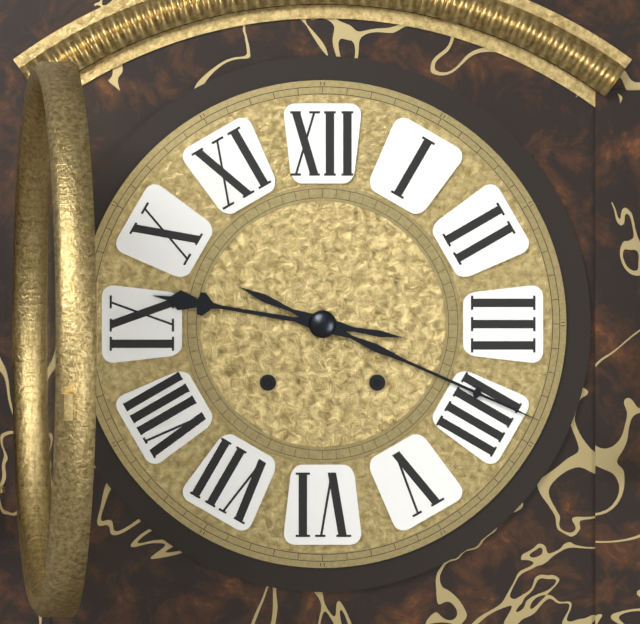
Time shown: 9:19
